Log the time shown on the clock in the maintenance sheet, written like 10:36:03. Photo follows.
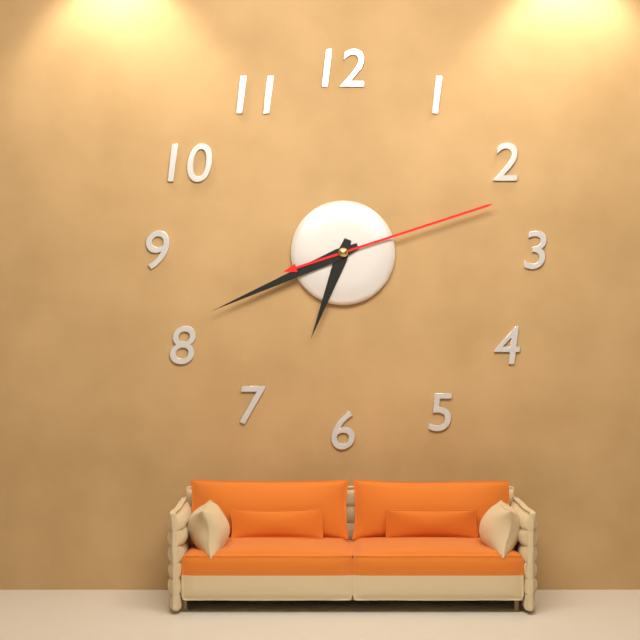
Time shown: 6:41:12
